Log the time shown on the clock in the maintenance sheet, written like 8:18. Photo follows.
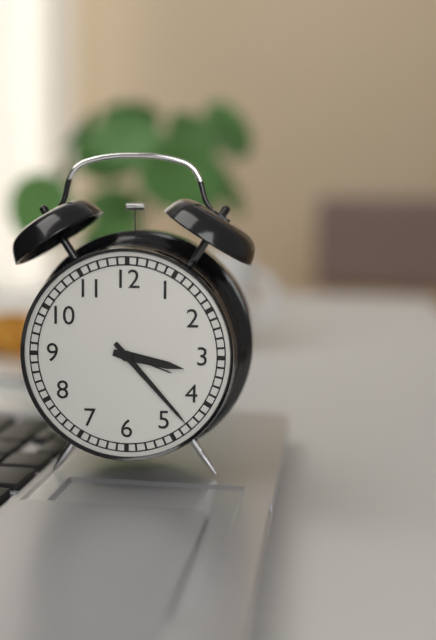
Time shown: 3:23
